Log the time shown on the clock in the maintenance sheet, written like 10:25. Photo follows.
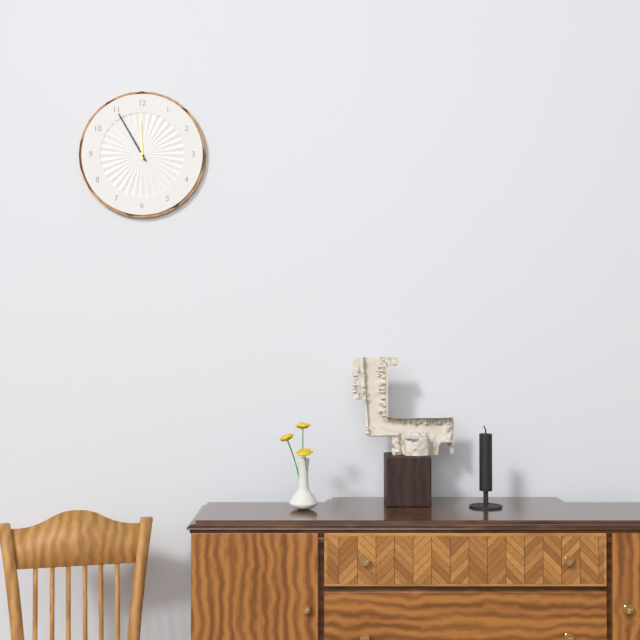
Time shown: 11:55
